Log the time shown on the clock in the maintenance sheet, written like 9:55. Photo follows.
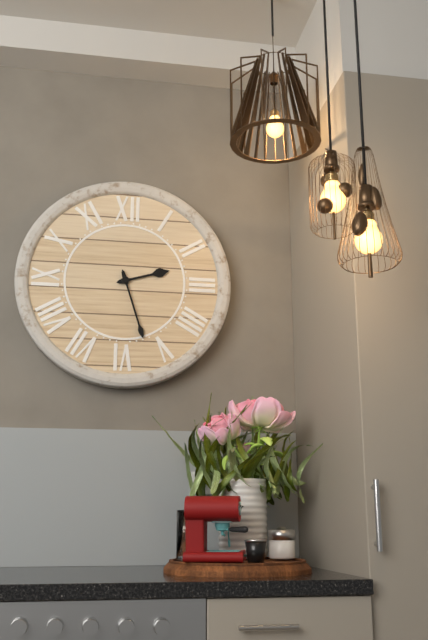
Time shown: 2:27
